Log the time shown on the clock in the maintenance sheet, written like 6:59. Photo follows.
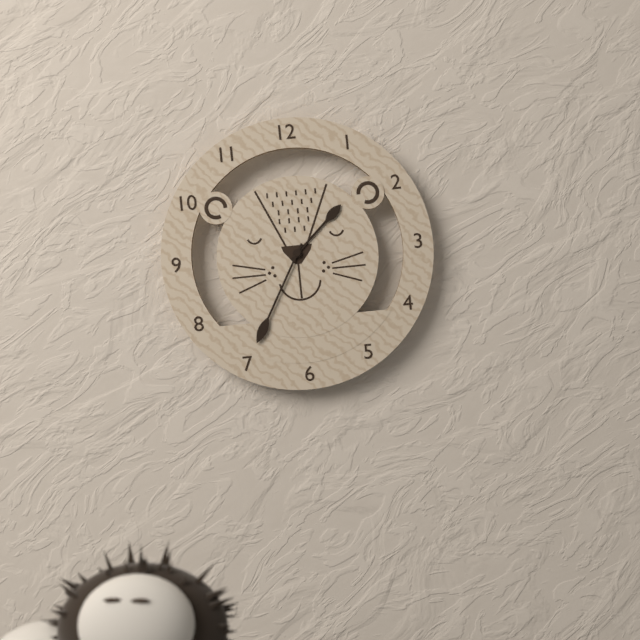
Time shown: 1:35
